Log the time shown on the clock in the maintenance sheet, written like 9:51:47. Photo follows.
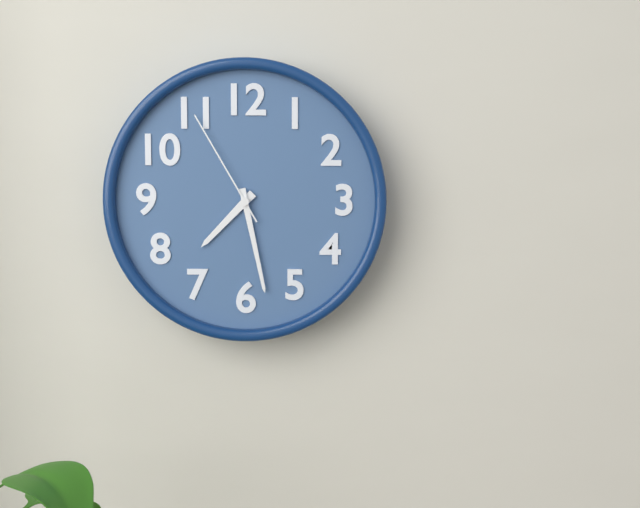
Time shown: 7:28:55
